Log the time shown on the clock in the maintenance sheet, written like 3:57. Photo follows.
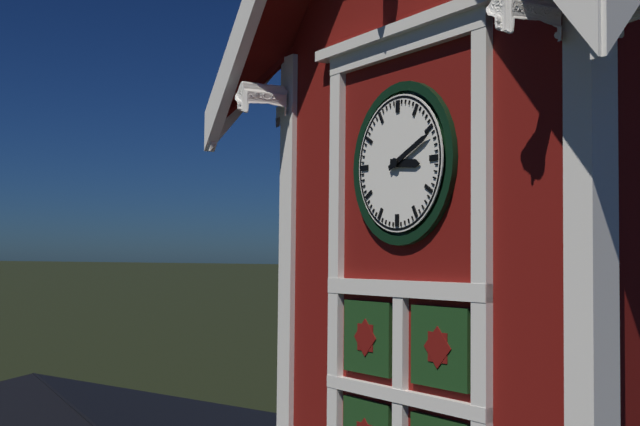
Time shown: 3:11
